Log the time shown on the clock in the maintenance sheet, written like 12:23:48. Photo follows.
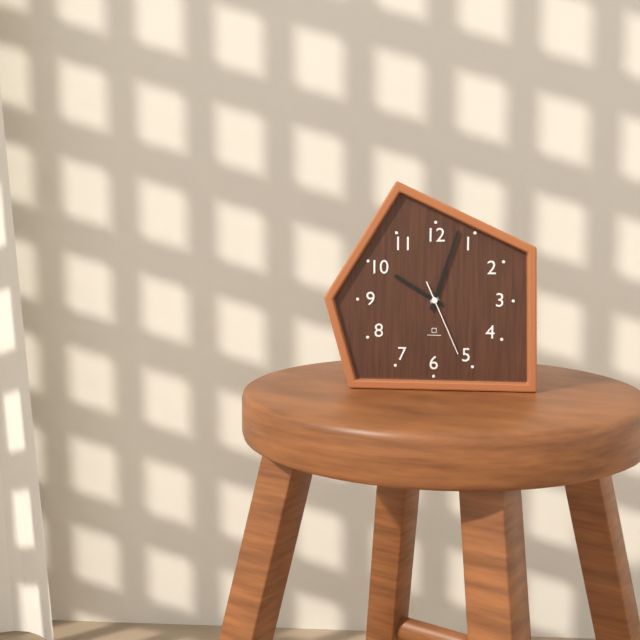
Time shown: 10:03:26
